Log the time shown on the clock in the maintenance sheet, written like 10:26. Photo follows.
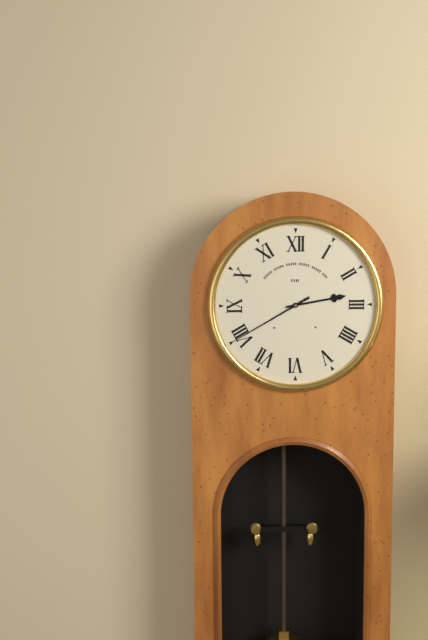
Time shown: 2:40
